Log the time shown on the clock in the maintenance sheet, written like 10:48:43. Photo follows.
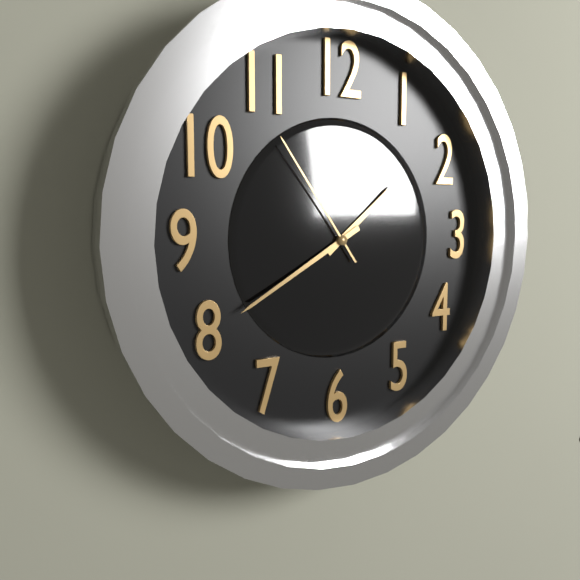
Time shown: 1:40:54
